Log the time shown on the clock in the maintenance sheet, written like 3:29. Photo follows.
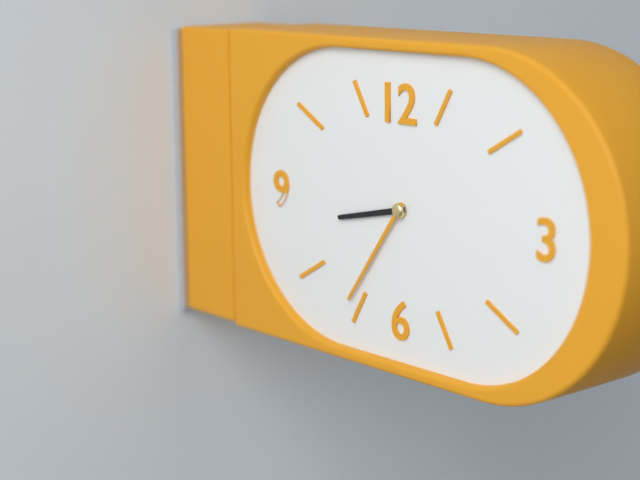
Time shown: 8:36
